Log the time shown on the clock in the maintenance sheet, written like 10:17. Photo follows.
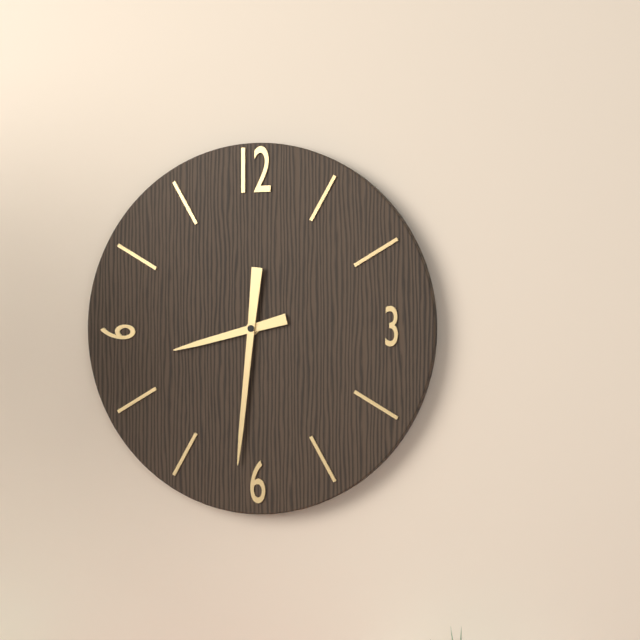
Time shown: 8:31
